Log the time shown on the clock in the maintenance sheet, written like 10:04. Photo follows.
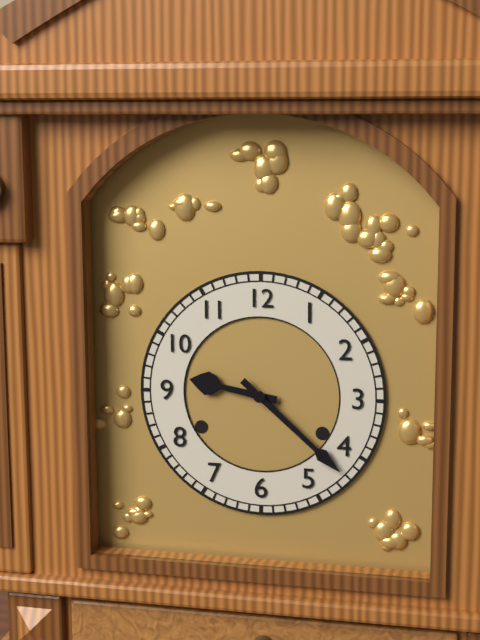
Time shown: 9:22
